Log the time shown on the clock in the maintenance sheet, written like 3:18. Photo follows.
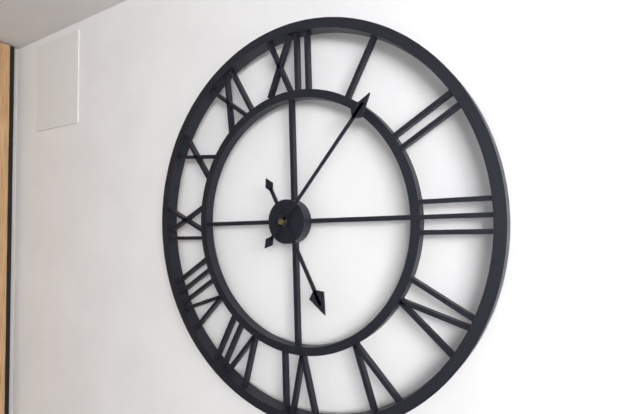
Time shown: 5:07
